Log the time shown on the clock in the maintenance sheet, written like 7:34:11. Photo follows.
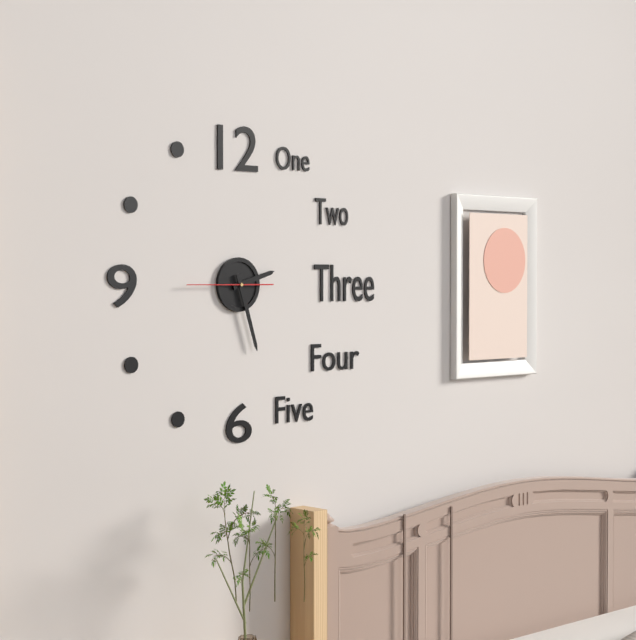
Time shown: 2:27:45
